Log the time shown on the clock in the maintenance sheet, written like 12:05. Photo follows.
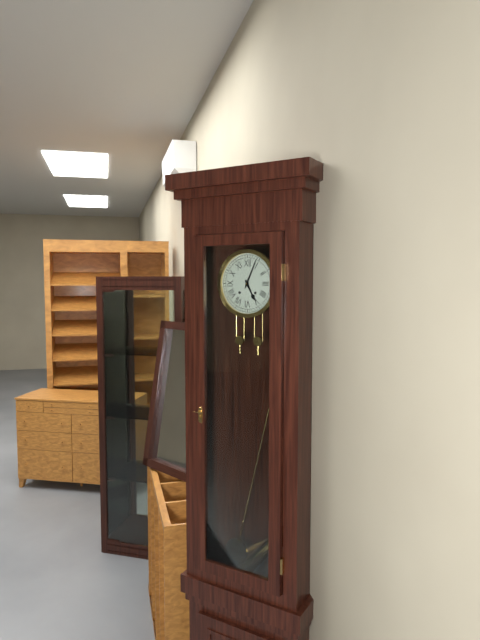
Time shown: 5:04
